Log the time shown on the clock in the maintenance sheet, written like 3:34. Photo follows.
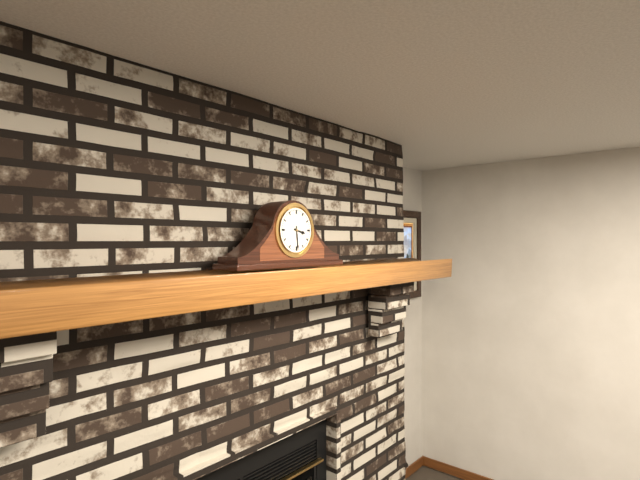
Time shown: 3:29
